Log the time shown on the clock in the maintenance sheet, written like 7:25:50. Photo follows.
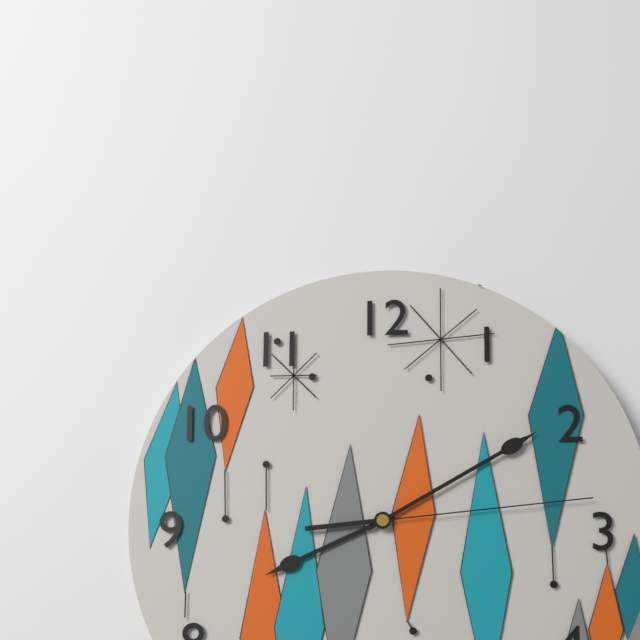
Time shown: 8:10:14
